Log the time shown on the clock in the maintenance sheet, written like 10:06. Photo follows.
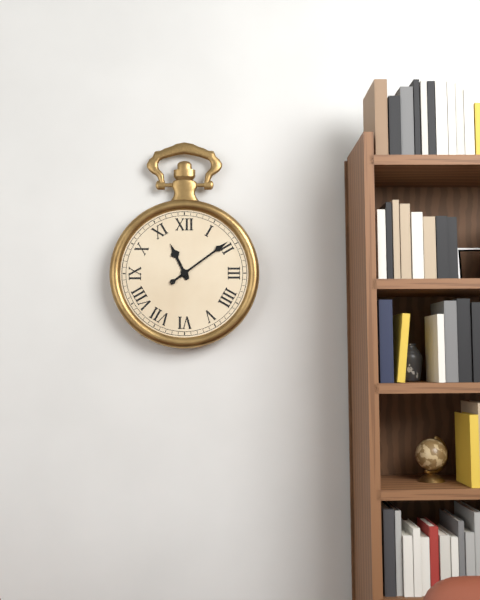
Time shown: 11:09
